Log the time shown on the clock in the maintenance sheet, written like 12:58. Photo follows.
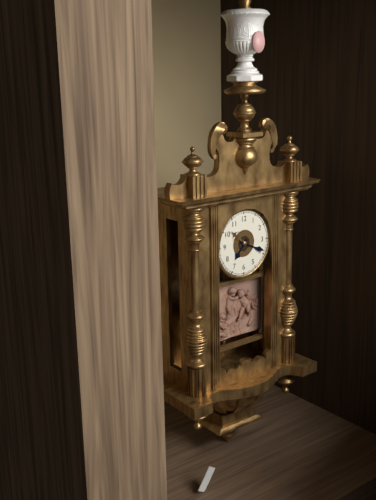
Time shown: 7:19
